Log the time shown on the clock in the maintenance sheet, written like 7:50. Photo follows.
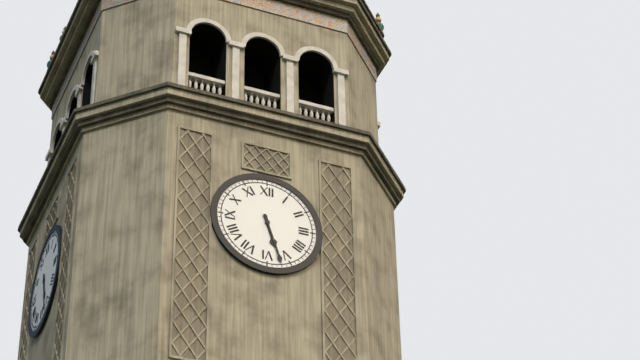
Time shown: 5:27
